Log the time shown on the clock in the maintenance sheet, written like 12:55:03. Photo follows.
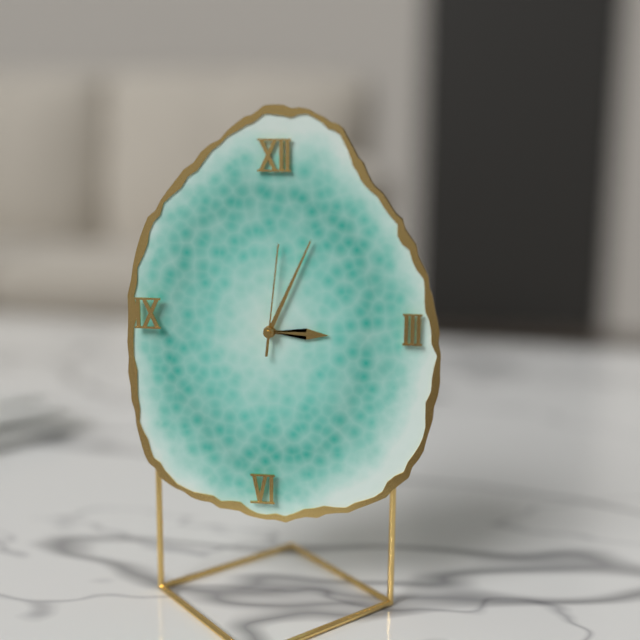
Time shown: 3:04:01
